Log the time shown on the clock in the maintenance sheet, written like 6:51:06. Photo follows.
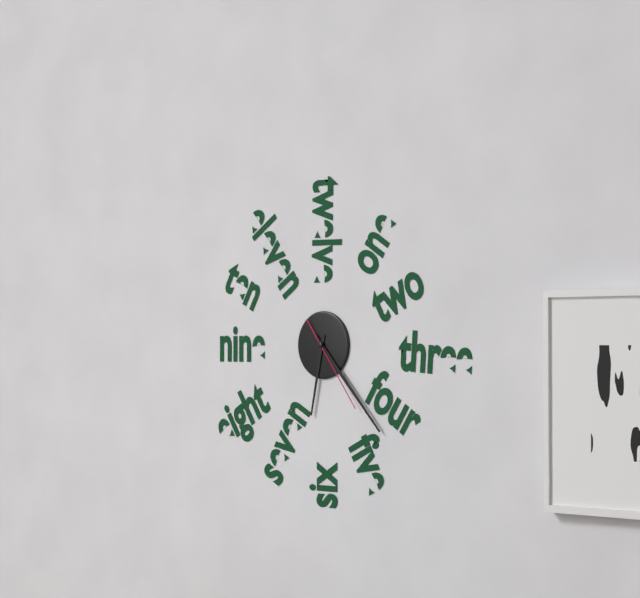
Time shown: 6:23:24
